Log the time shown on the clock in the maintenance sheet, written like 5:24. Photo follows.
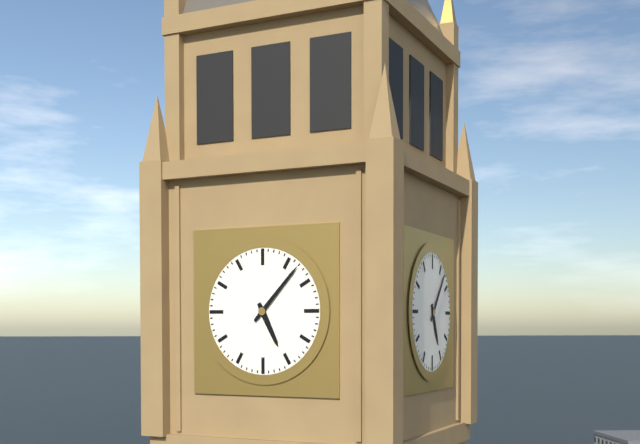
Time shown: 5:07
